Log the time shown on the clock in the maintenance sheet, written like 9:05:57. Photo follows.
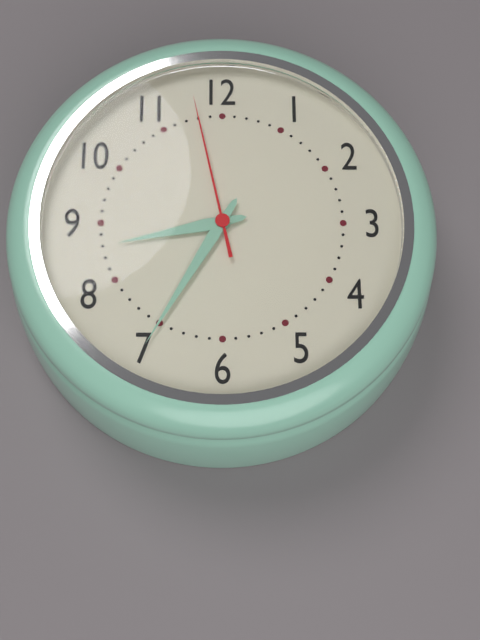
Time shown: 8:35:58
